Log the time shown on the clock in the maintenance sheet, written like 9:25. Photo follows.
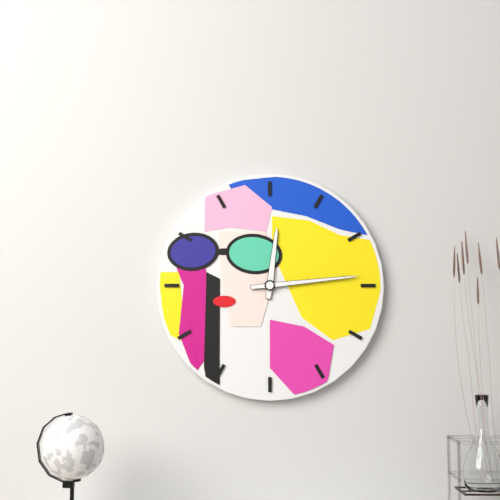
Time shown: 12:14
